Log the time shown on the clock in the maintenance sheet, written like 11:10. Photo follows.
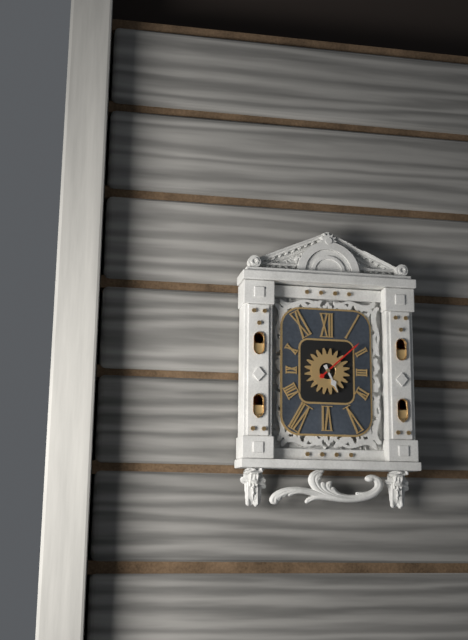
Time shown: 5:08
